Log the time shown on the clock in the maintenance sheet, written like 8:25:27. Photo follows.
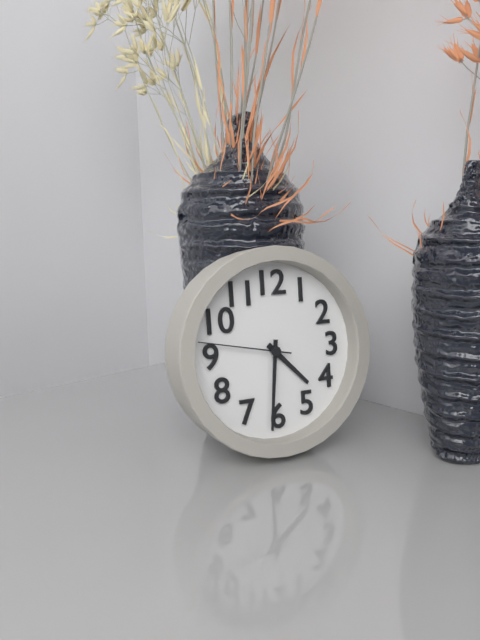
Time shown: 4:31:47
